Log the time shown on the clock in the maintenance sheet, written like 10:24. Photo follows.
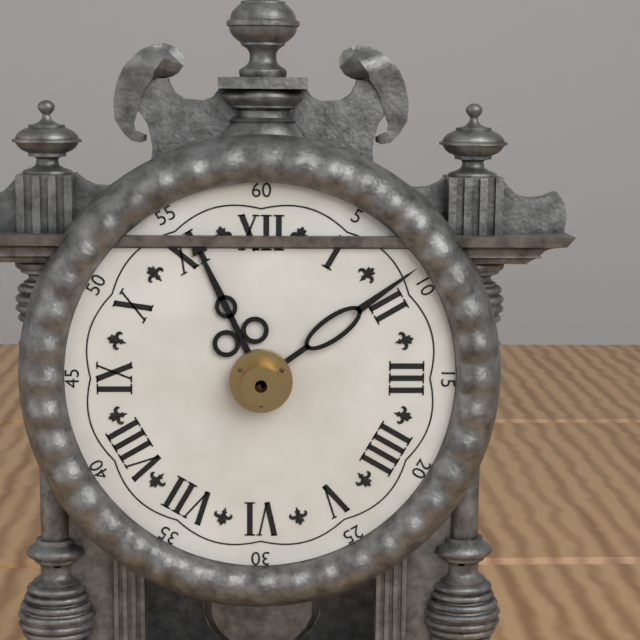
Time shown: 11:09
